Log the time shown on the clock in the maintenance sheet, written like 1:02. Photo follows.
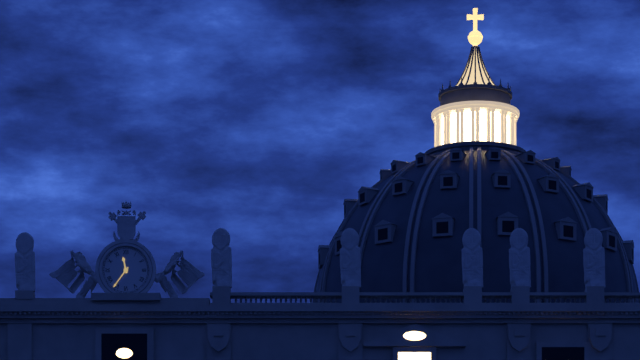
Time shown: 11:36
